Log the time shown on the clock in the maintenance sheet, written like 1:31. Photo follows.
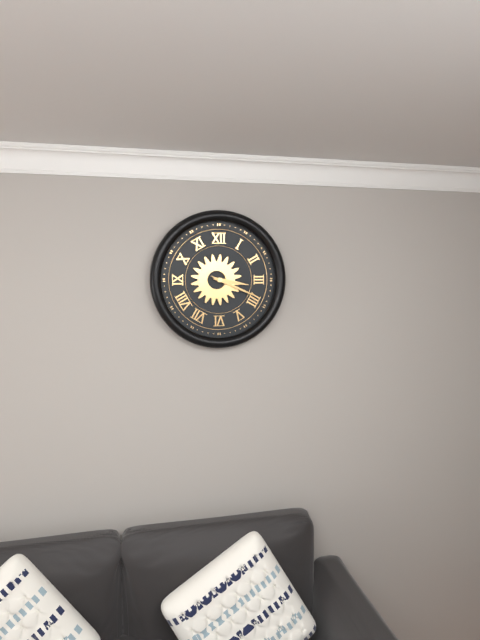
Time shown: 3:19
